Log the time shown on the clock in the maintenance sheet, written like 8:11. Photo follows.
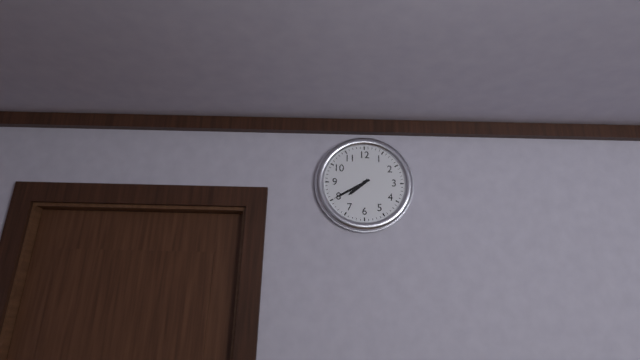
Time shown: 7:40
